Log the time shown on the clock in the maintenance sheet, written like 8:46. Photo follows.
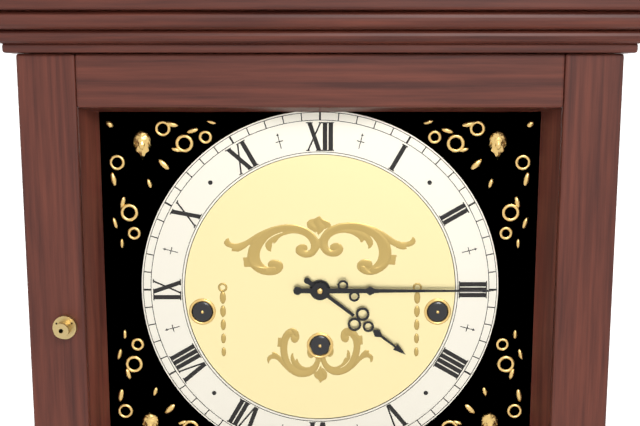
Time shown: 4:15
